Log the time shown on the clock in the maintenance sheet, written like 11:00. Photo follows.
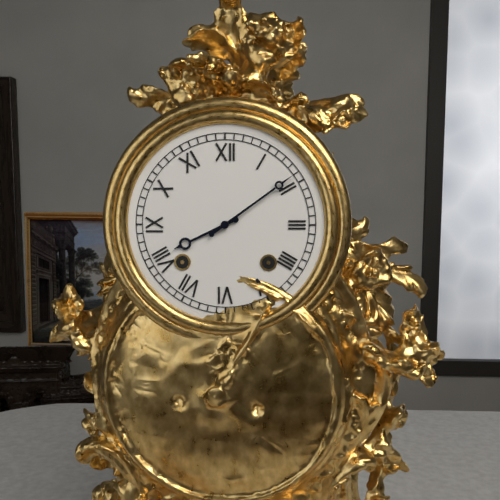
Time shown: 8:09
